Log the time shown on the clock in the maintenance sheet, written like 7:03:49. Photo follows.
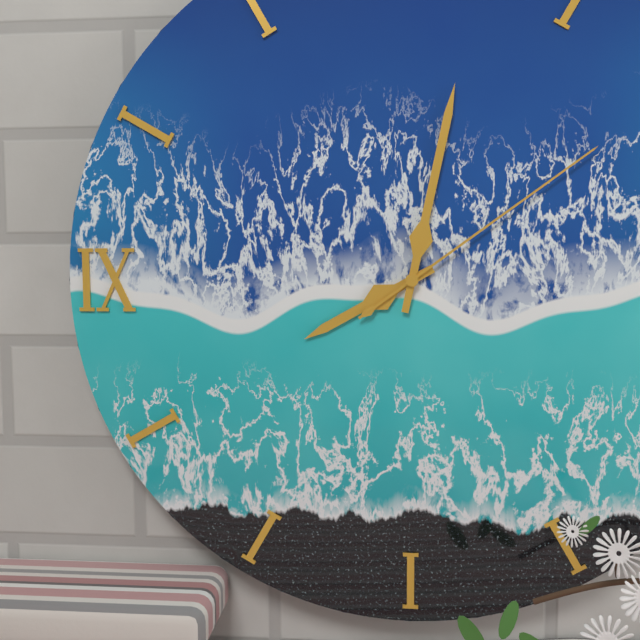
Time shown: 8:02:09
